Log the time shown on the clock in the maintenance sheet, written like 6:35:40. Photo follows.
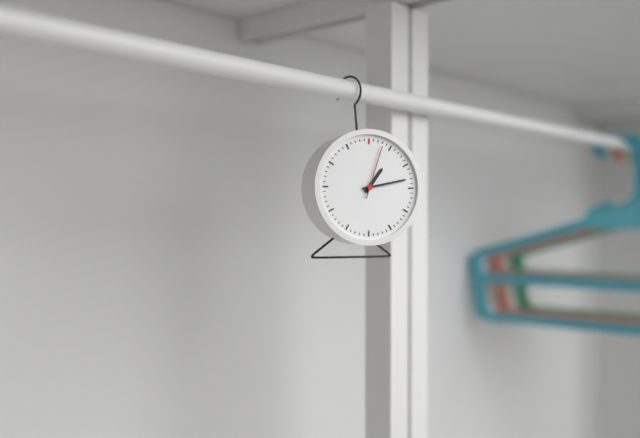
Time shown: 1:13:03
